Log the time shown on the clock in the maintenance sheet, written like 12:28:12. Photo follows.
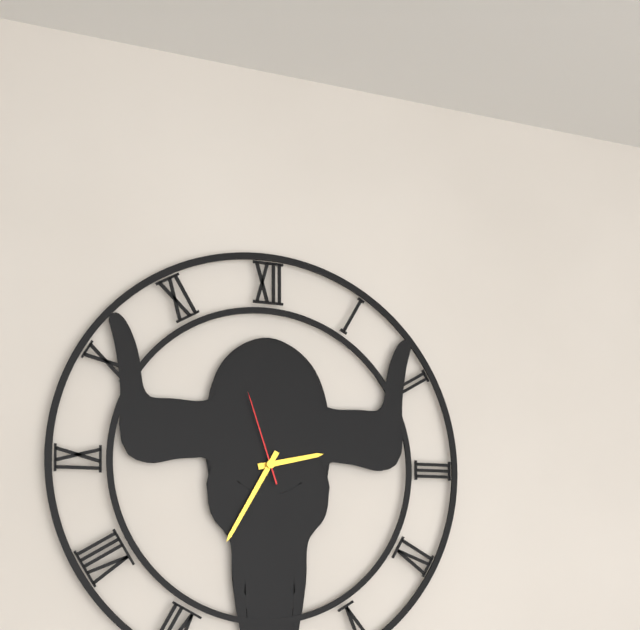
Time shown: 2:35:57
